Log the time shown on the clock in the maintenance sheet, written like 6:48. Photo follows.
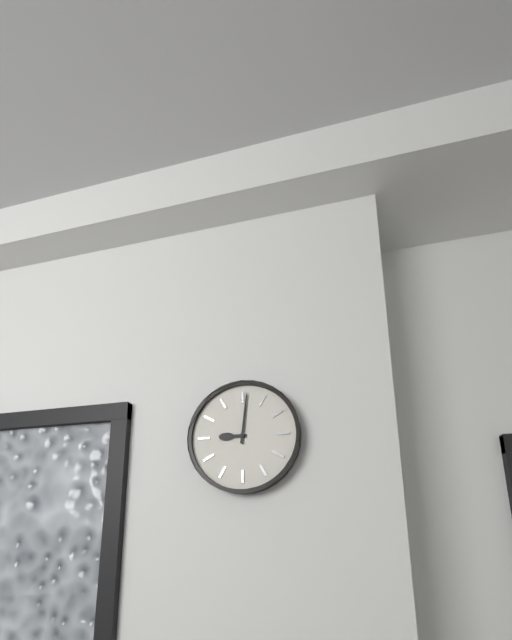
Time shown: 9:01
